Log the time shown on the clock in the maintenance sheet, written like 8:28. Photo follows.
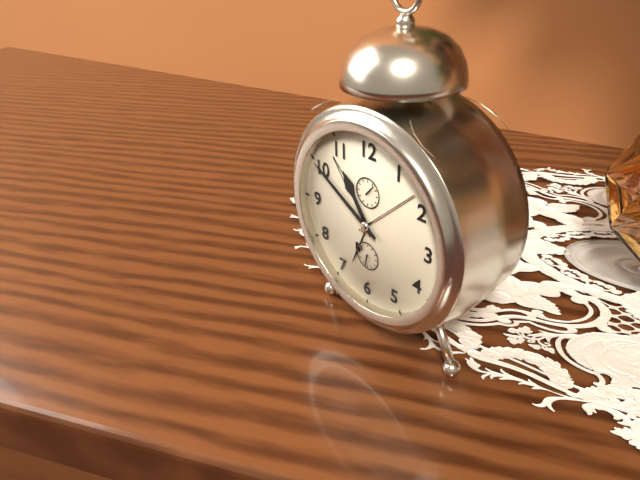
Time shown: 10:50
